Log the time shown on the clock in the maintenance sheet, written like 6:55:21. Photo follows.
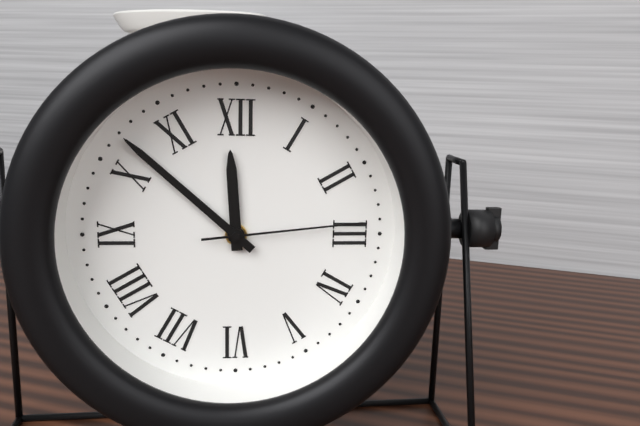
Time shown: 11:52:14
